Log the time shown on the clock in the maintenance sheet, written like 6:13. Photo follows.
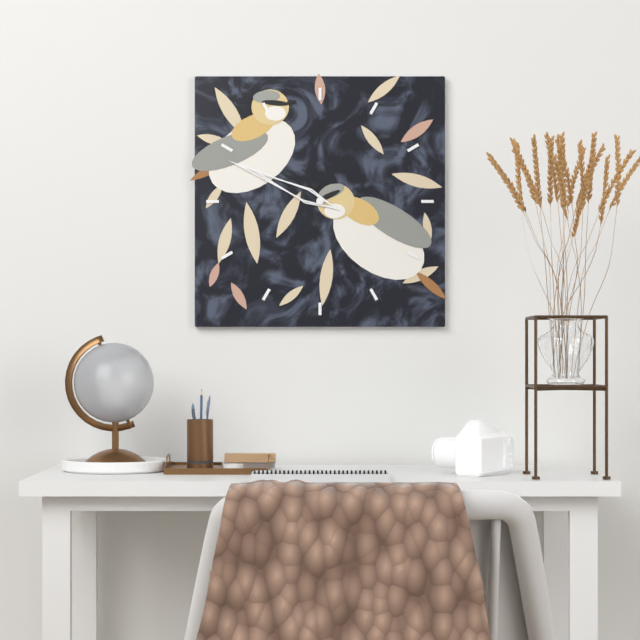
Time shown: 9:49
